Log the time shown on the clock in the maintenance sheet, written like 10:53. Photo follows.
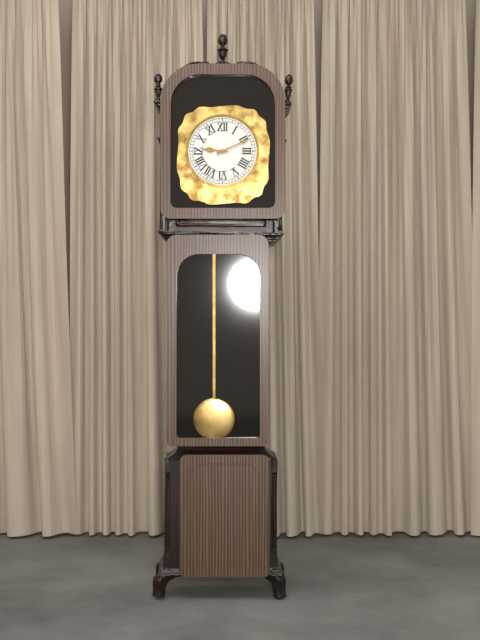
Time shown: 9:11
